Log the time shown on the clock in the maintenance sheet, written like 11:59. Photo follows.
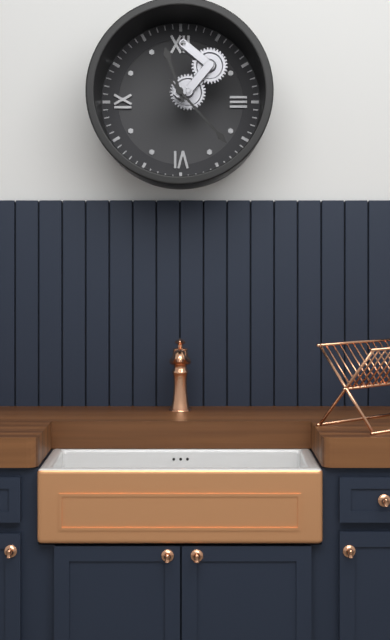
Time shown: 11:23
